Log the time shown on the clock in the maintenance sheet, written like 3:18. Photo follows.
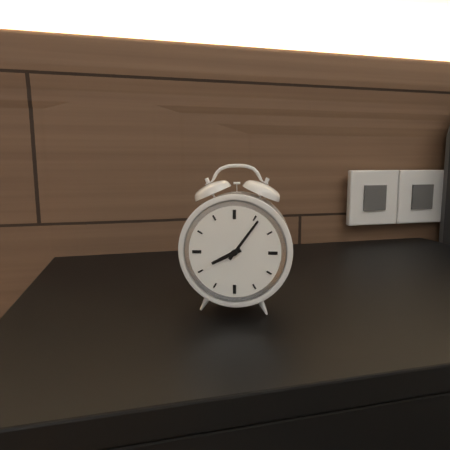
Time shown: 8:06
